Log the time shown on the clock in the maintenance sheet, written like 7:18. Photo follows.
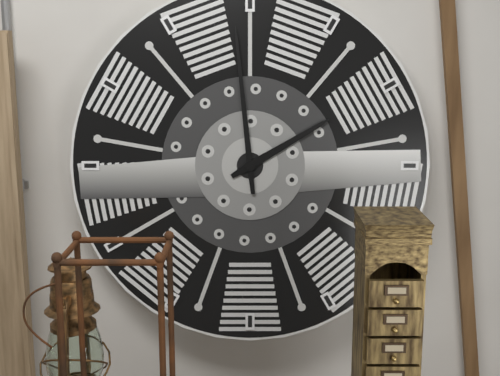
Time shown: 1:59
